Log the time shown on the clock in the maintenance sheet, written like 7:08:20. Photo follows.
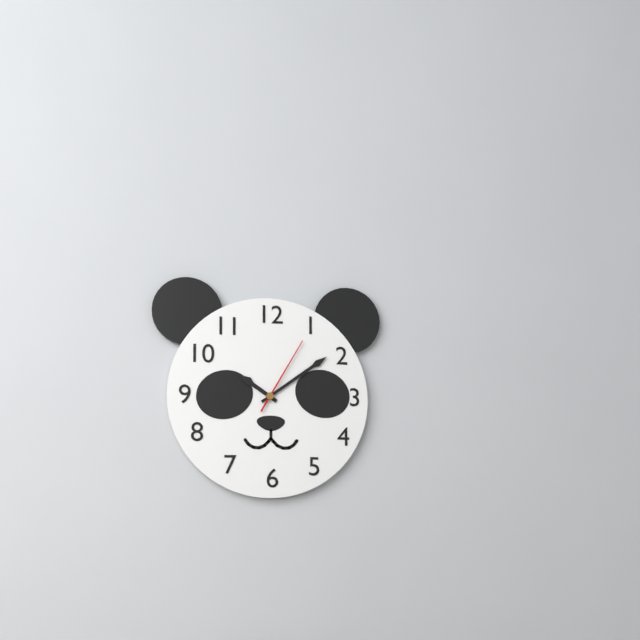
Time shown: 10:09:05
